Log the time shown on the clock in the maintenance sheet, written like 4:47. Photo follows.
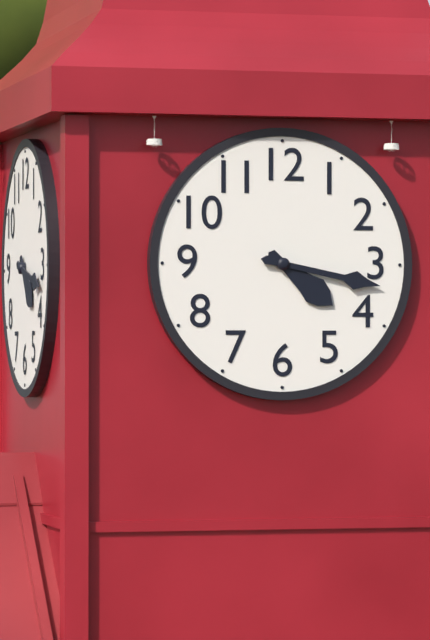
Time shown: 4:17
